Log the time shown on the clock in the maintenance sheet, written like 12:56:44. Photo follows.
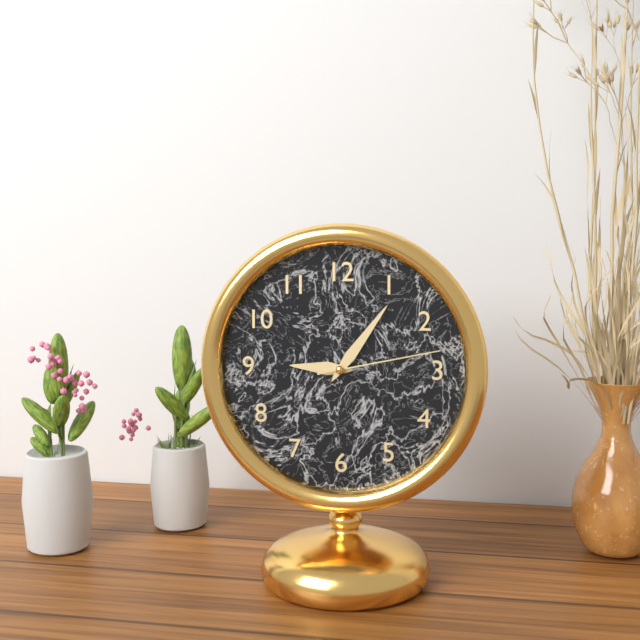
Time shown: 9:06:13
